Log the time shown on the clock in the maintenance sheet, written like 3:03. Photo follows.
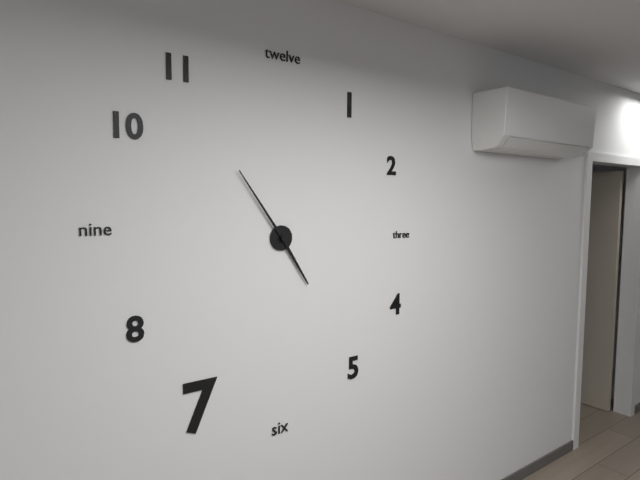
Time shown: 4:54
